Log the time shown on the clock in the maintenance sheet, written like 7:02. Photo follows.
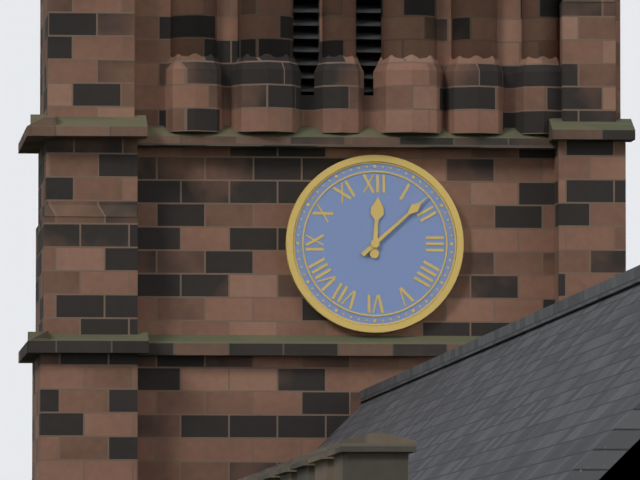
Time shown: 12:08
